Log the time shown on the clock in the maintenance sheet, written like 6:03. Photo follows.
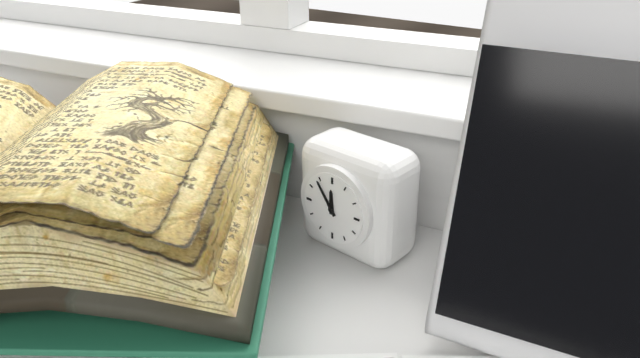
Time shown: 11:54
